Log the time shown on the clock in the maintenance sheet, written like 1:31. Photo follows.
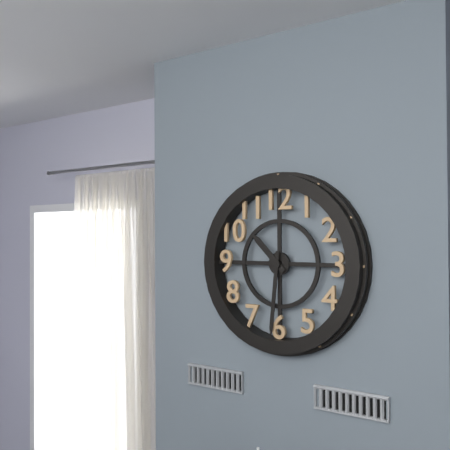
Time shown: 10:31
